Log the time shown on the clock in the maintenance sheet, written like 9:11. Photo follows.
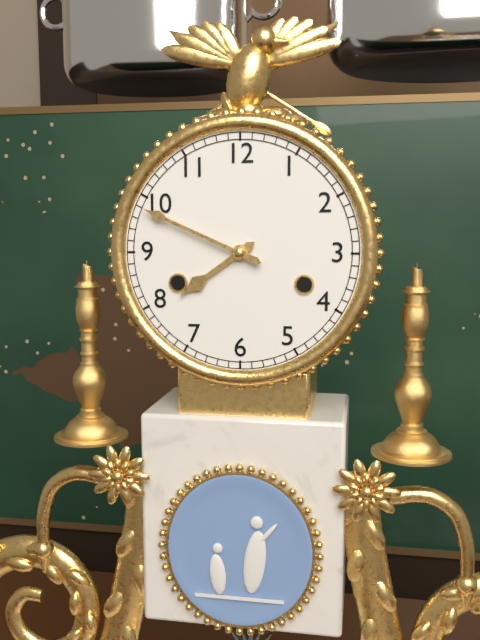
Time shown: 7:49
